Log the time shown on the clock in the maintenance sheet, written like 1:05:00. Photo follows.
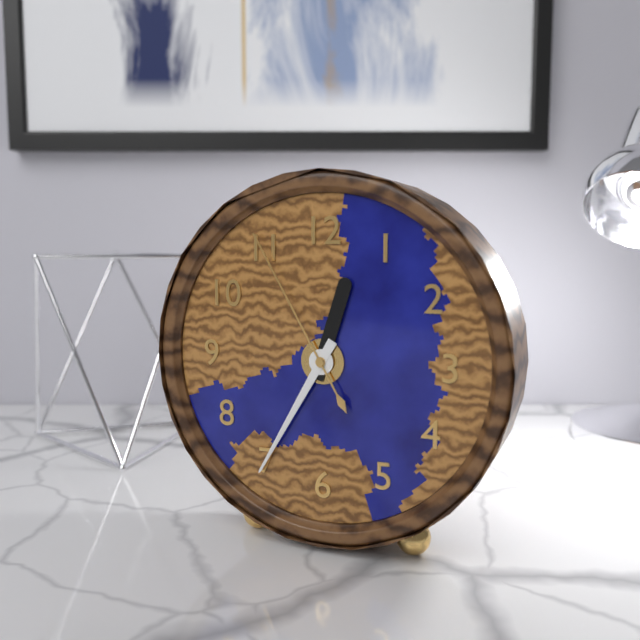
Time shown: 12:35:55
